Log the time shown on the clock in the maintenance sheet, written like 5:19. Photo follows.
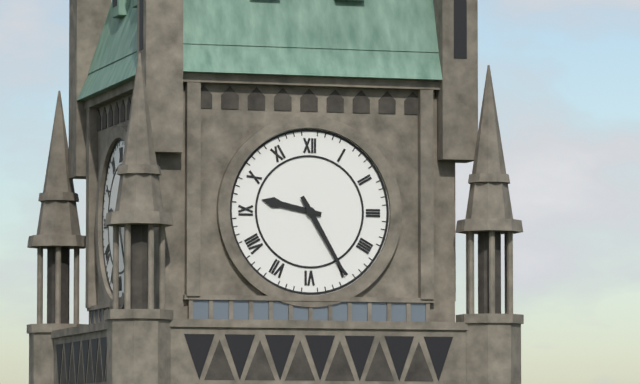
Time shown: 9:25
